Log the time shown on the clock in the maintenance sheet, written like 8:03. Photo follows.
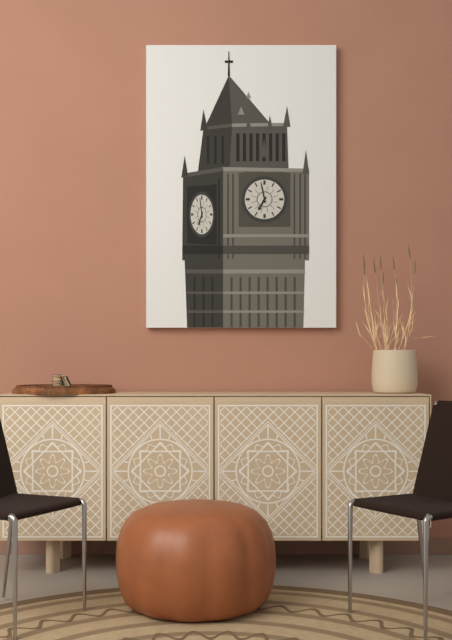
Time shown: 6:58
